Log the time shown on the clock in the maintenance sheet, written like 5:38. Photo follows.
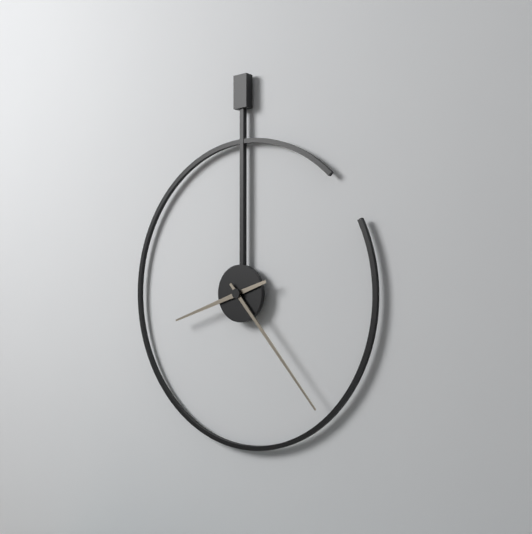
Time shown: 8:23
